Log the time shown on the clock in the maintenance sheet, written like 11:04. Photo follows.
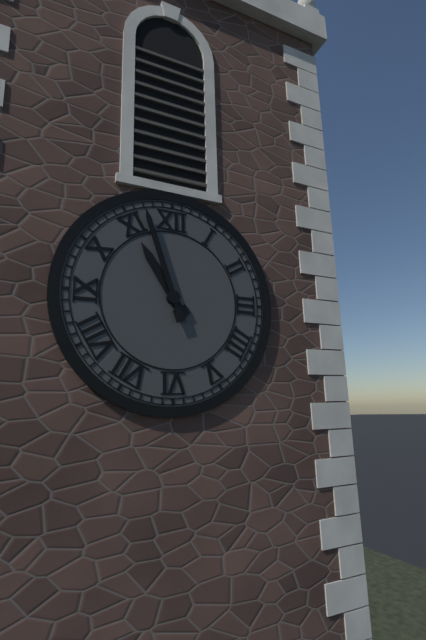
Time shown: 10:57
